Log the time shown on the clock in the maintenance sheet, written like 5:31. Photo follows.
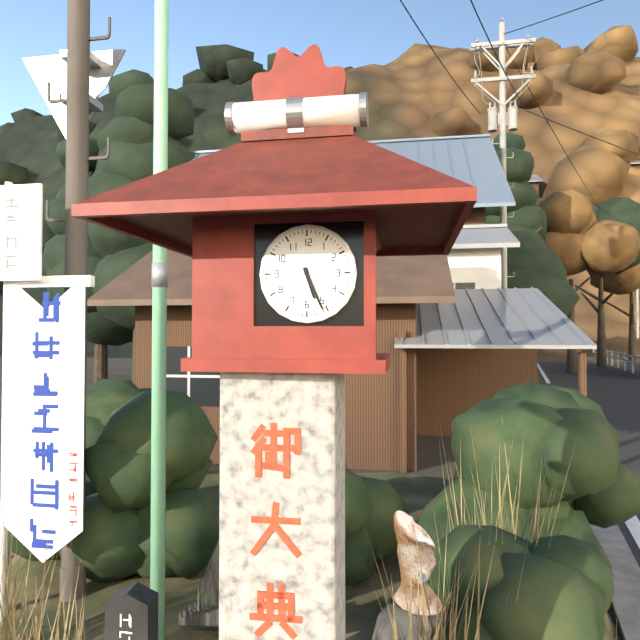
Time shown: 5:26
